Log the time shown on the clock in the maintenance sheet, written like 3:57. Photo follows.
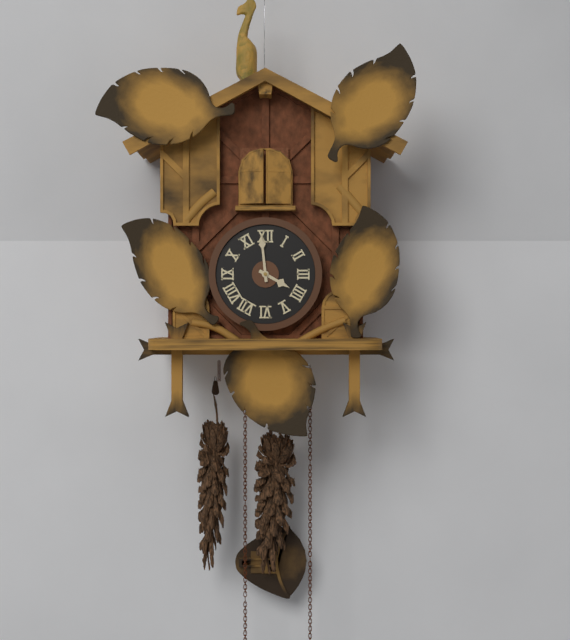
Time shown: 3:59
